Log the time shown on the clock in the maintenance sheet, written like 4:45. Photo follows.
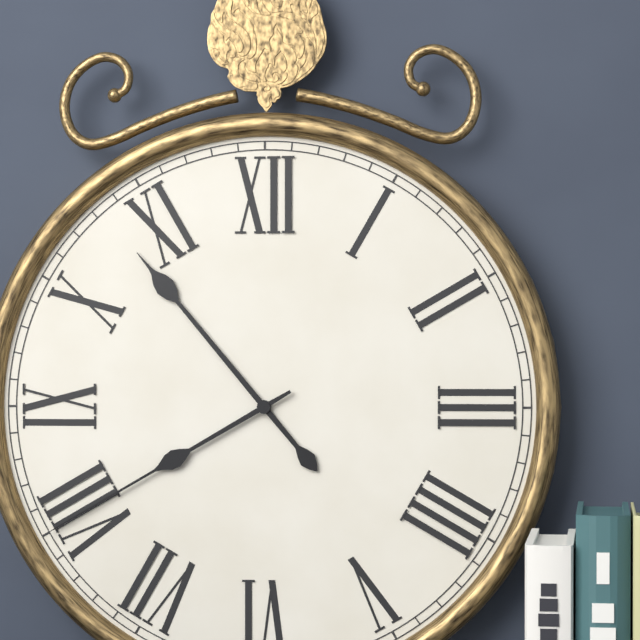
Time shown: 10:40
